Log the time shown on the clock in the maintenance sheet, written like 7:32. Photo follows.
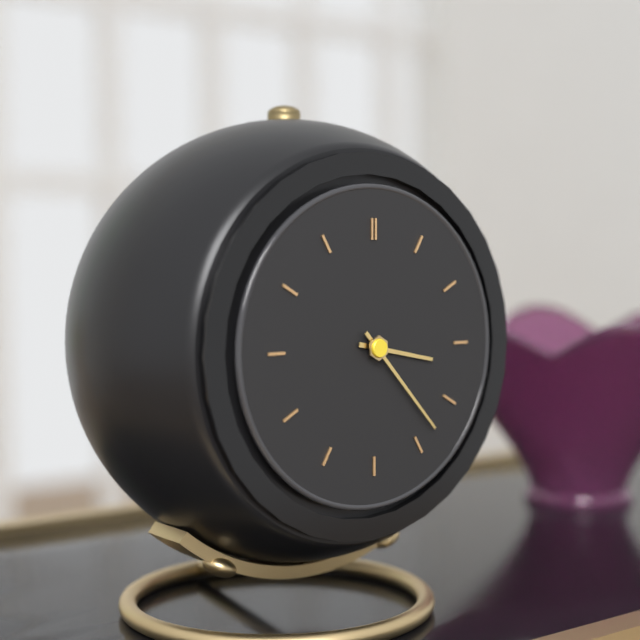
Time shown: 3:23
